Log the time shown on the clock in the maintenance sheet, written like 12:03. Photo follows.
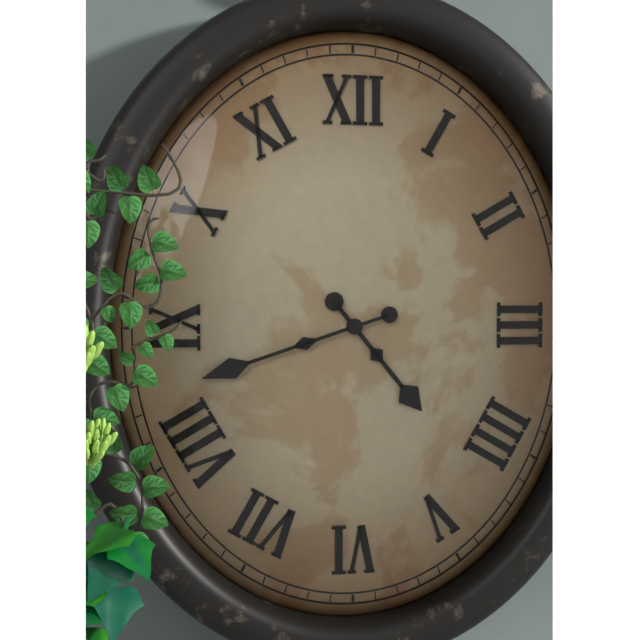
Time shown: 4:42
